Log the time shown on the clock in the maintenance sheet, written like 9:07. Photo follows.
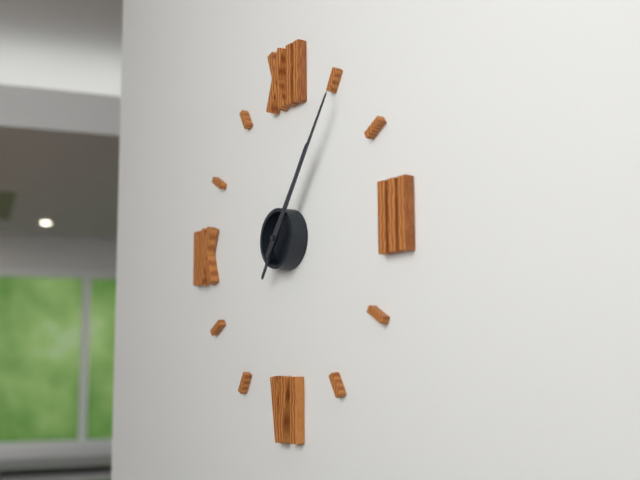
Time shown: 1:06
